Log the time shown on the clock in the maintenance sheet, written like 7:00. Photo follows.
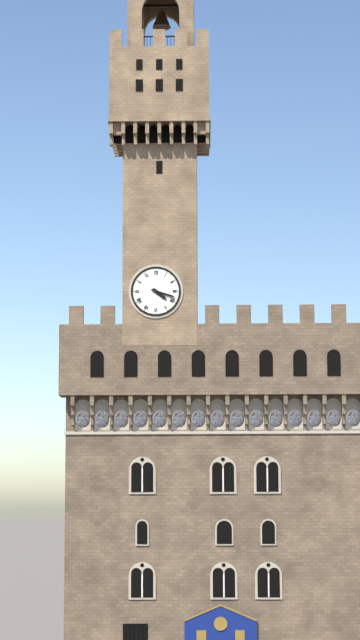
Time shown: 4:18
